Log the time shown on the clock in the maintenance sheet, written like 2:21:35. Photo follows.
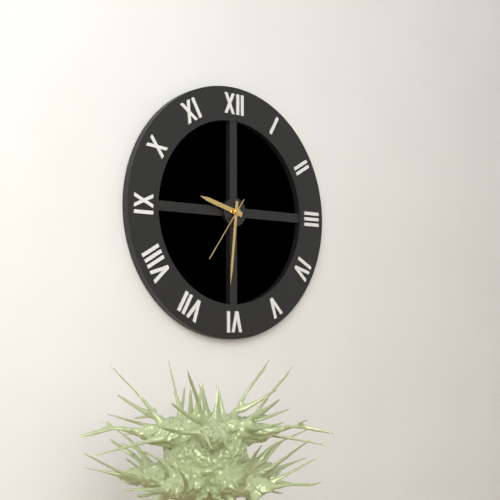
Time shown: 9:31:36
